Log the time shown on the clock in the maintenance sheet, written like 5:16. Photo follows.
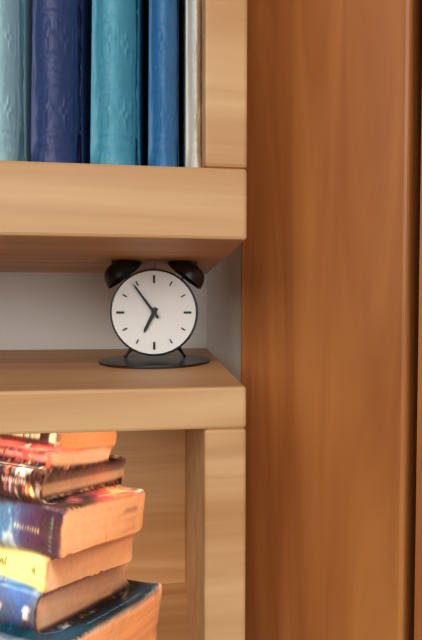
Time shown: 6:54
